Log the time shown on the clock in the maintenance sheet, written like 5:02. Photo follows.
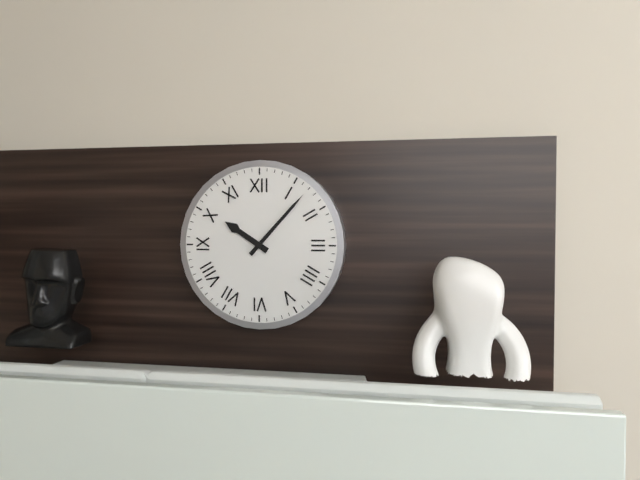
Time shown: 10:07
